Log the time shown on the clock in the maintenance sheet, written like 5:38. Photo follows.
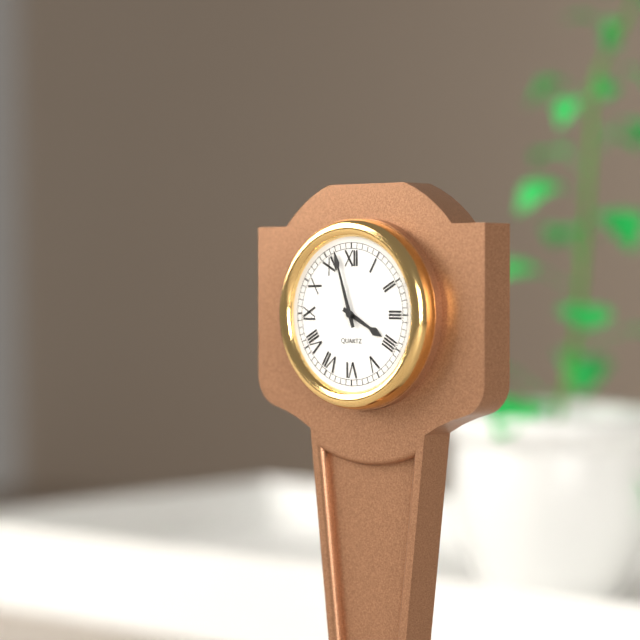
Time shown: 3:57
